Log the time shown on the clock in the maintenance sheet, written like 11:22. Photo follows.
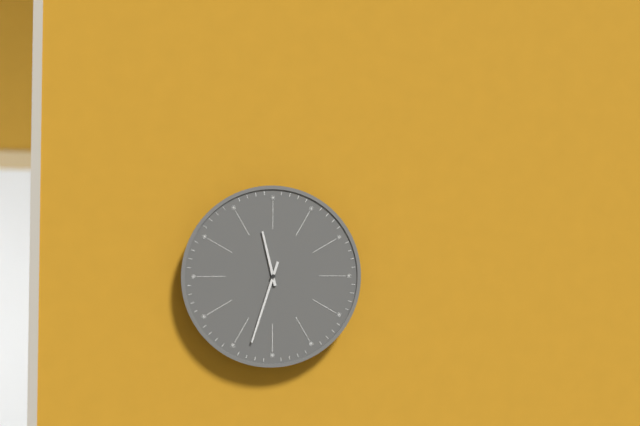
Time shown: 11:33
